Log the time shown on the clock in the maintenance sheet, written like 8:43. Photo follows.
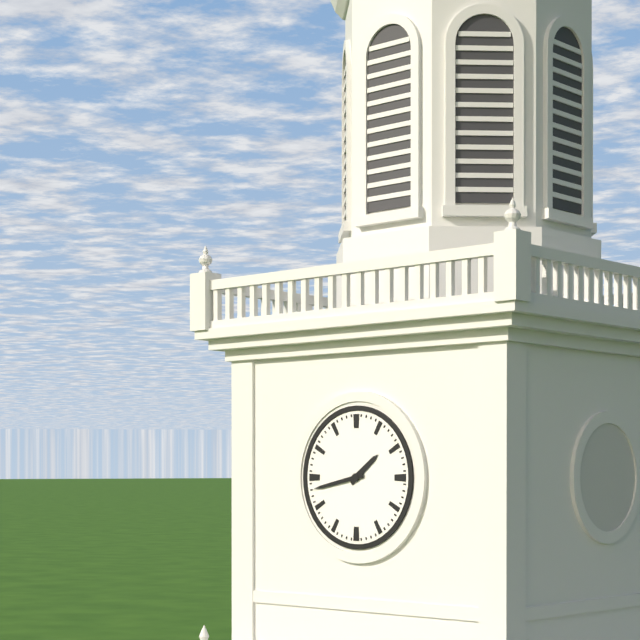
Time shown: 1:43
